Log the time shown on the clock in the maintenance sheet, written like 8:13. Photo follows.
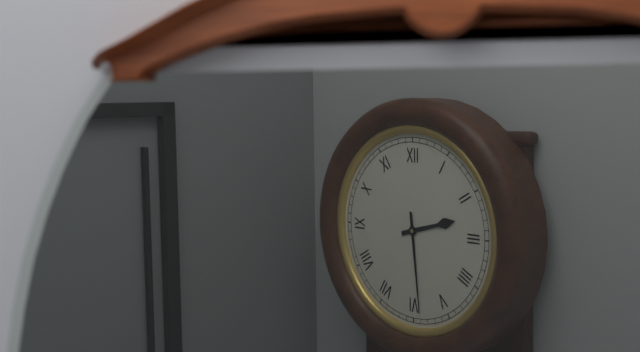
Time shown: 2:29
